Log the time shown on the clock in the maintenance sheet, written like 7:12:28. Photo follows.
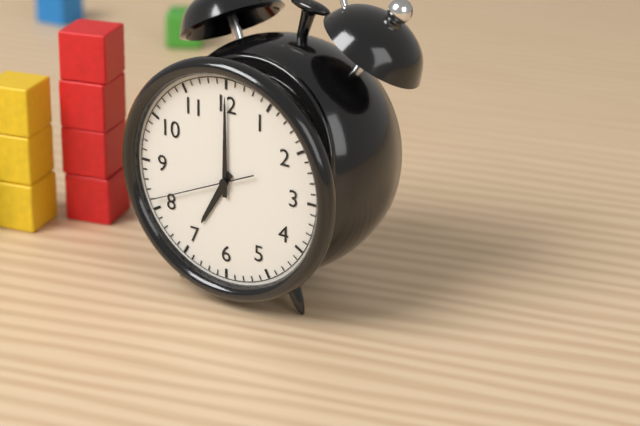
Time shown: 7:00:41
